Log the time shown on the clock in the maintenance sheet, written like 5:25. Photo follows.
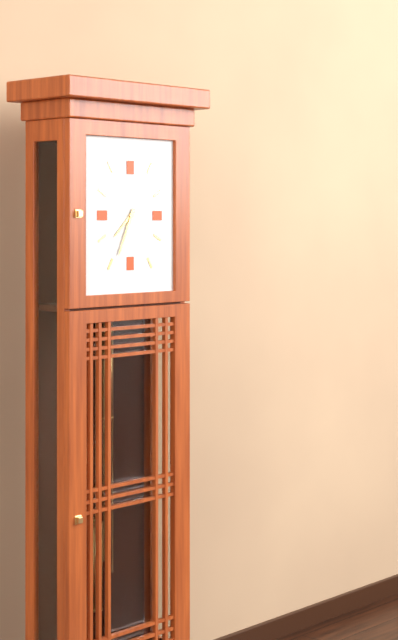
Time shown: 7:34
